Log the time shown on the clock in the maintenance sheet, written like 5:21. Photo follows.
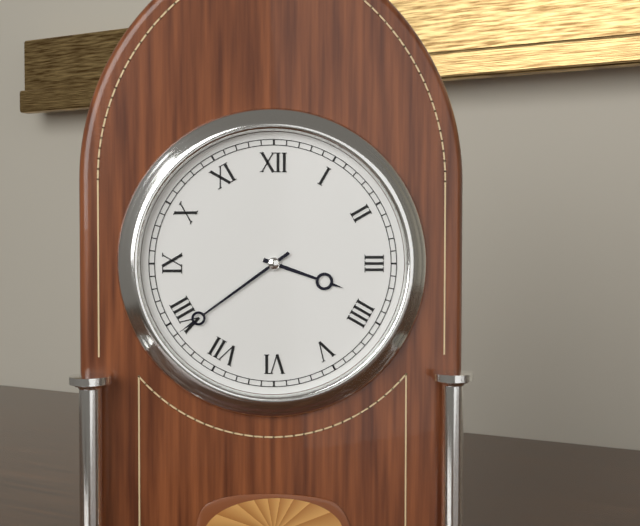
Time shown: 3:39
